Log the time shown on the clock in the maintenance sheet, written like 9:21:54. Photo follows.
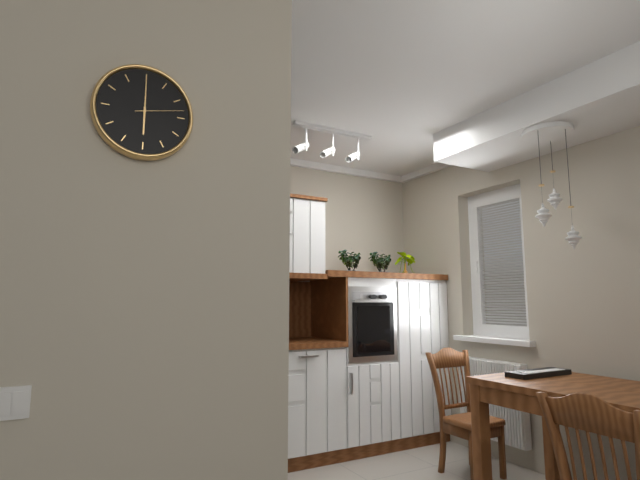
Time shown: 6:00:13
